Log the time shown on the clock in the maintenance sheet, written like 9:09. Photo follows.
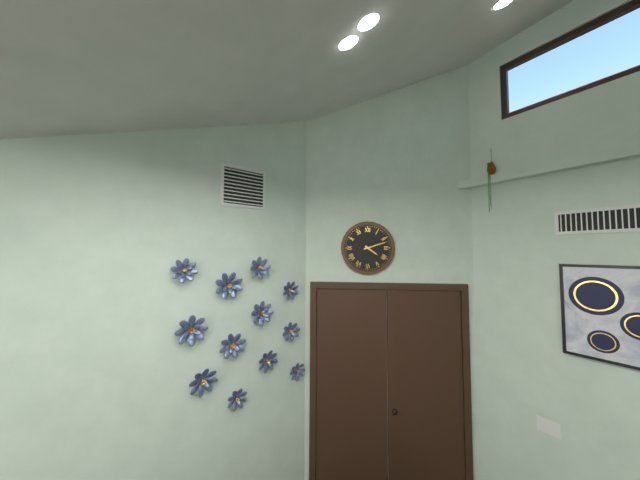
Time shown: 4:12
